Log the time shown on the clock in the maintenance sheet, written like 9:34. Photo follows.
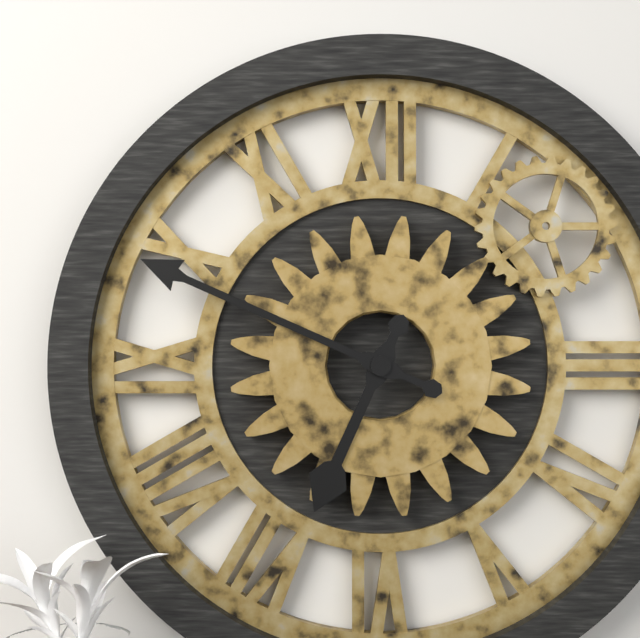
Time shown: 6:49
